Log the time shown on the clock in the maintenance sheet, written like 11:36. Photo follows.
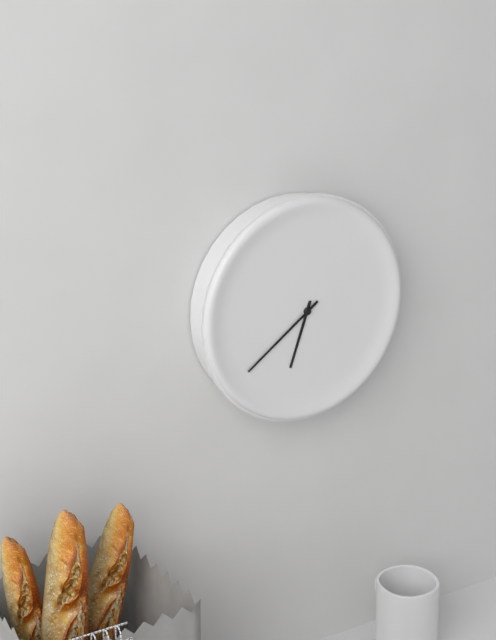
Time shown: 6:39
